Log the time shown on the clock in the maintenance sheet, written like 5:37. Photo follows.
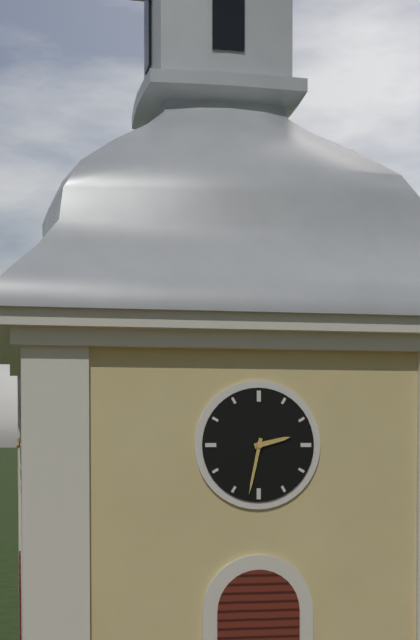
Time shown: 2:32
